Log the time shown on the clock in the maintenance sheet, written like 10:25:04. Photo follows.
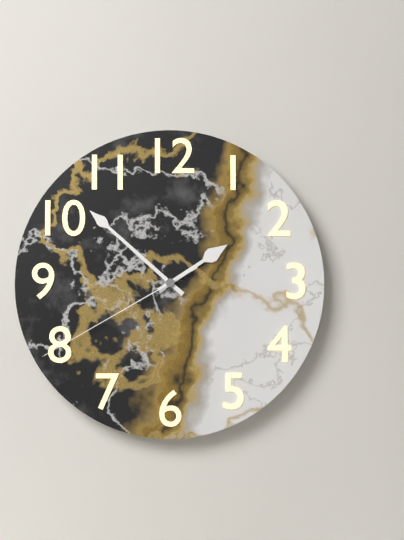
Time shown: 1:52:40
